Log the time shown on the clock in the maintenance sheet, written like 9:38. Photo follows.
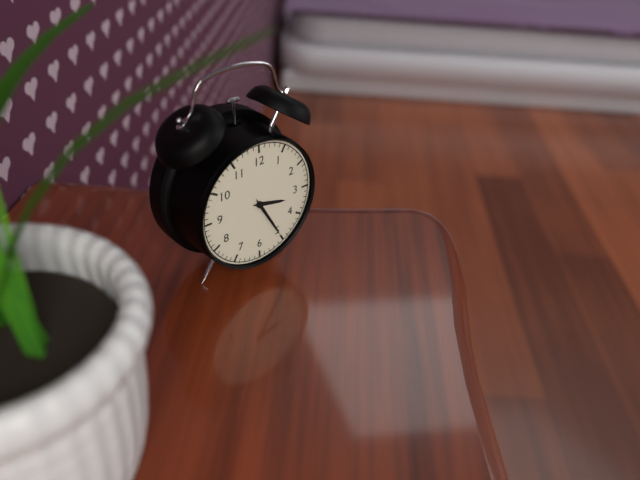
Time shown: 3:25
